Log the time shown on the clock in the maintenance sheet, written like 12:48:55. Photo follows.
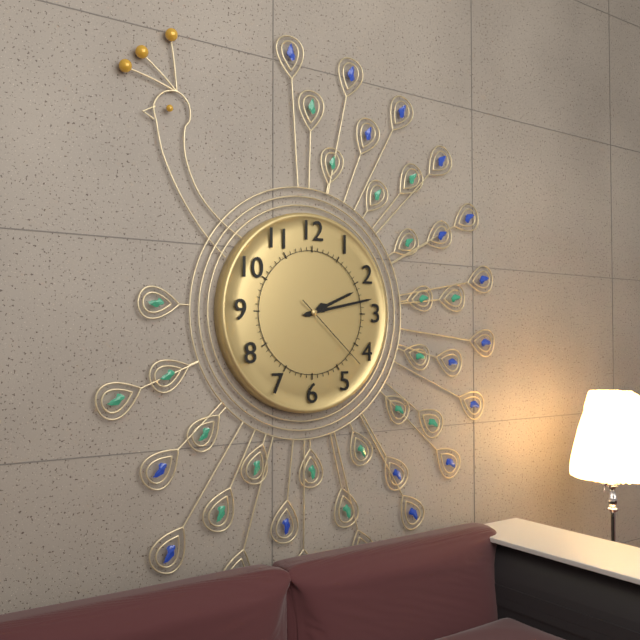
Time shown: 2:13:22
